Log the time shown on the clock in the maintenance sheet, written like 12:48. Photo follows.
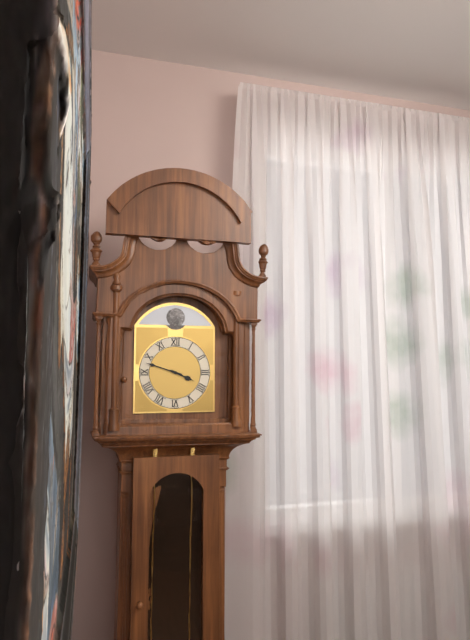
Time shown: 3:48
